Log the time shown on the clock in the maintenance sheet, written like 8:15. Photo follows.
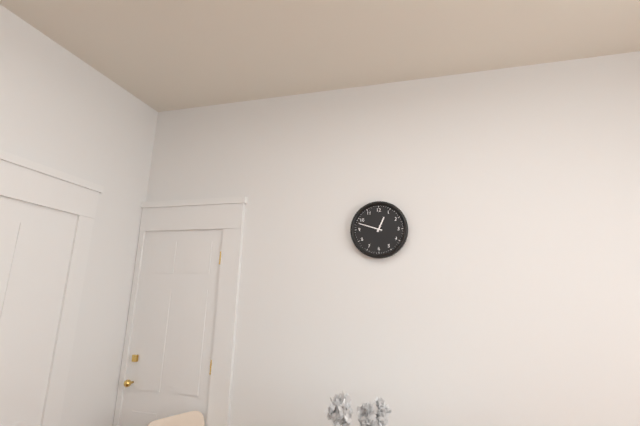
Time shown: 12:48
